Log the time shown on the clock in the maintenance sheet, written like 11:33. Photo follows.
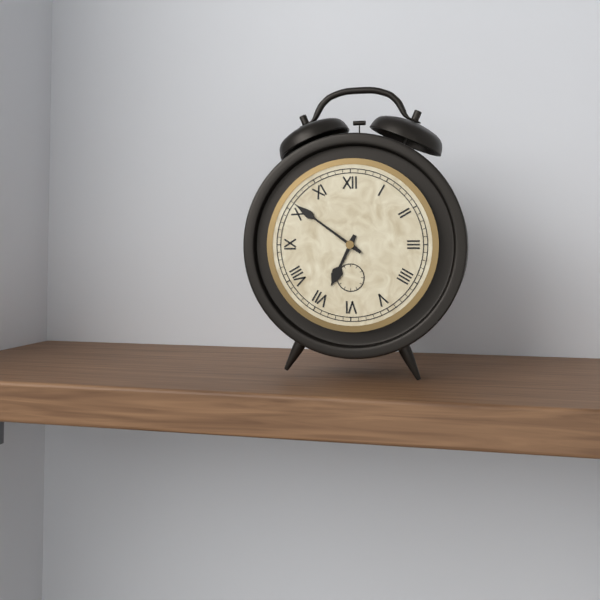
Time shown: 6:51
